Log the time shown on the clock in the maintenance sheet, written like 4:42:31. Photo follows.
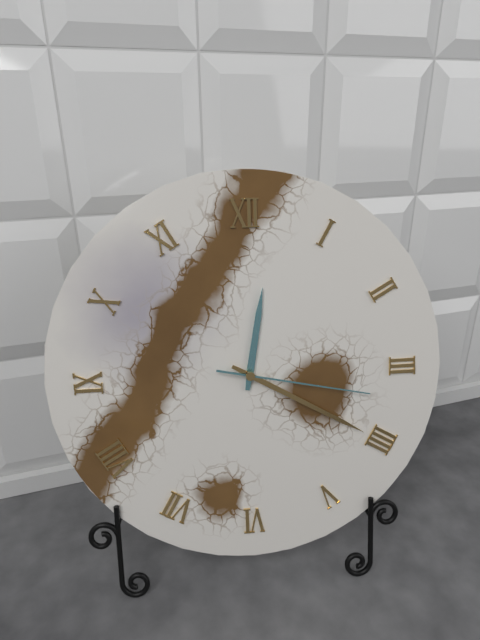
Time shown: 12:20:17
